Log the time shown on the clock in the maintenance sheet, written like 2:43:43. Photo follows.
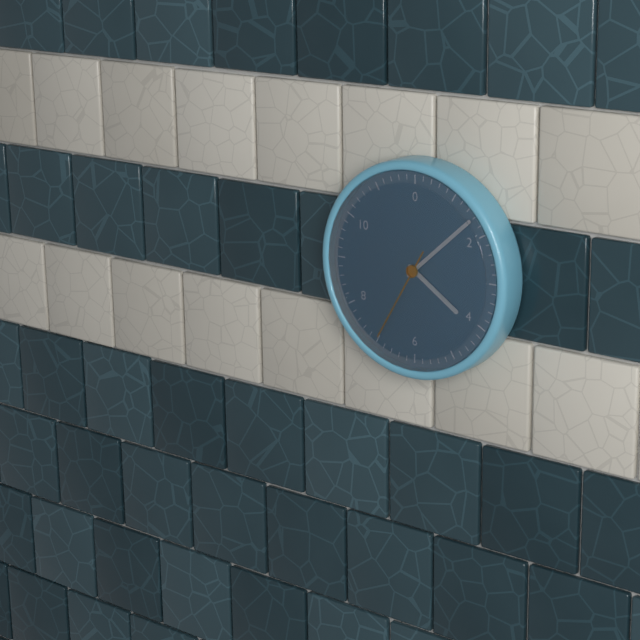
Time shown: 4:08:35
